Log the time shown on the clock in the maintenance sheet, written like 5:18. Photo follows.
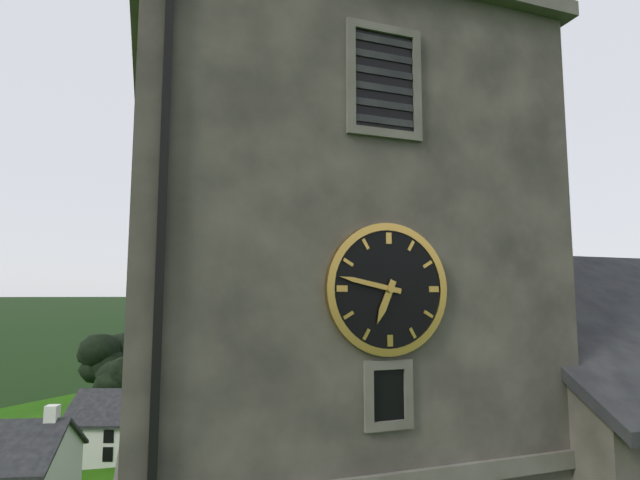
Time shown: 6:47
